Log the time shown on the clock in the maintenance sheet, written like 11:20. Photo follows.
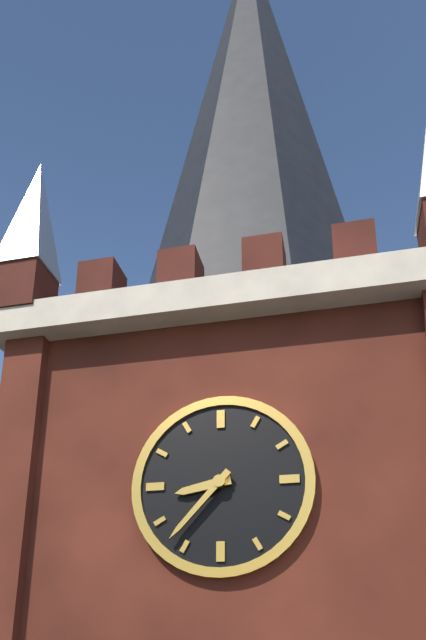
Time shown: 8:37
